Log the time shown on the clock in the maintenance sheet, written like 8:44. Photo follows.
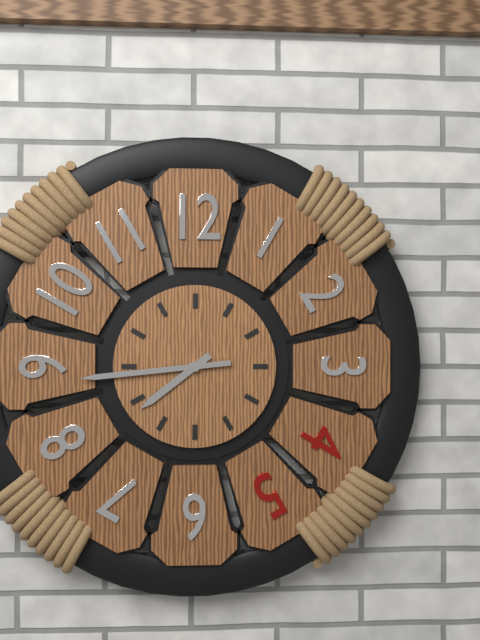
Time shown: 7:44
